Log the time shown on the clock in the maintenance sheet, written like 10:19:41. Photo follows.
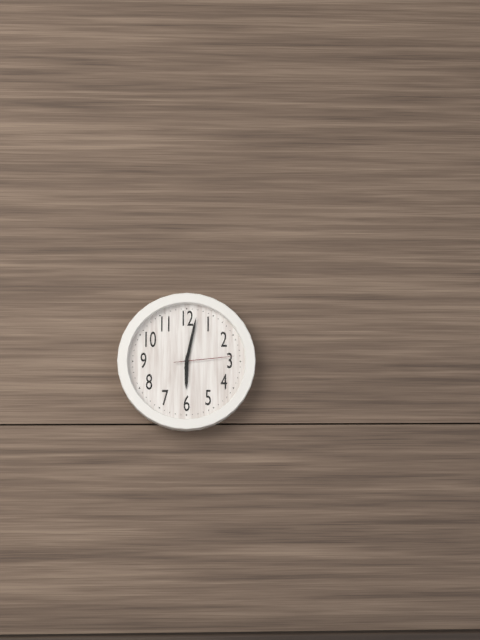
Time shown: 6:02:14
